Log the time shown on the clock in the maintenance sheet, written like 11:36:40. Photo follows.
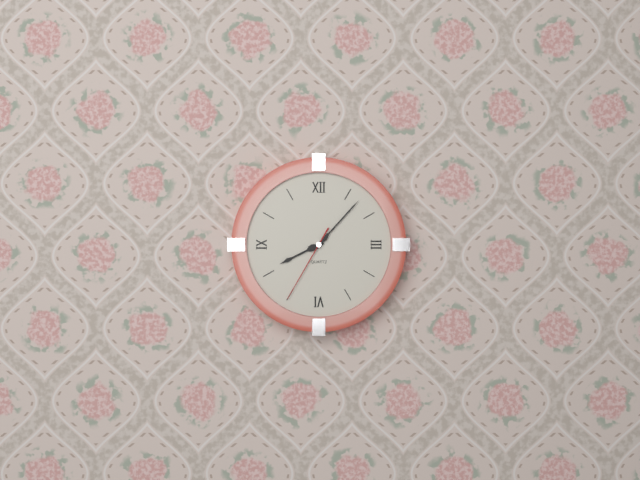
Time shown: 8:07:35
